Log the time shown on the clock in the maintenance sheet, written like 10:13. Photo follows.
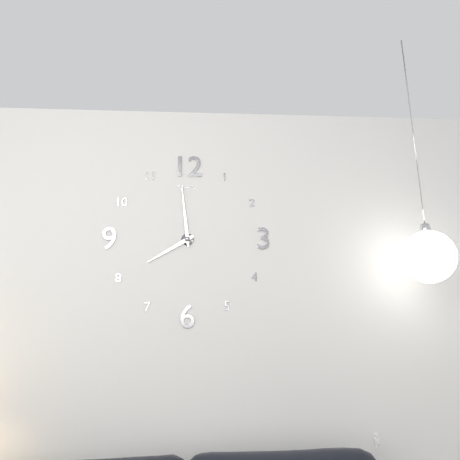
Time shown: 7:59
